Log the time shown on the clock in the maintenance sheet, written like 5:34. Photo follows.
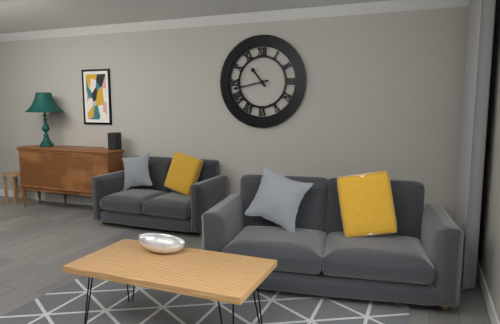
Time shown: 10:43
